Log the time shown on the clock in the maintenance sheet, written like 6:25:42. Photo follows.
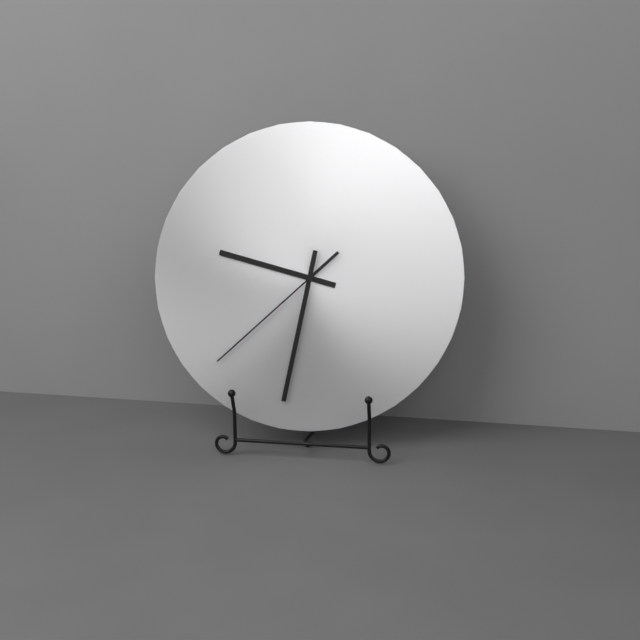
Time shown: 9:32:38
